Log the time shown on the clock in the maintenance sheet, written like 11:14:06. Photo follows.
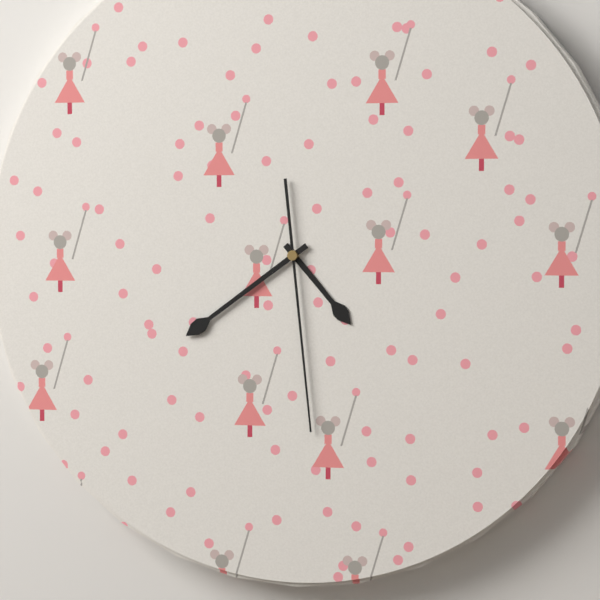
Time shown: 4:39:29
